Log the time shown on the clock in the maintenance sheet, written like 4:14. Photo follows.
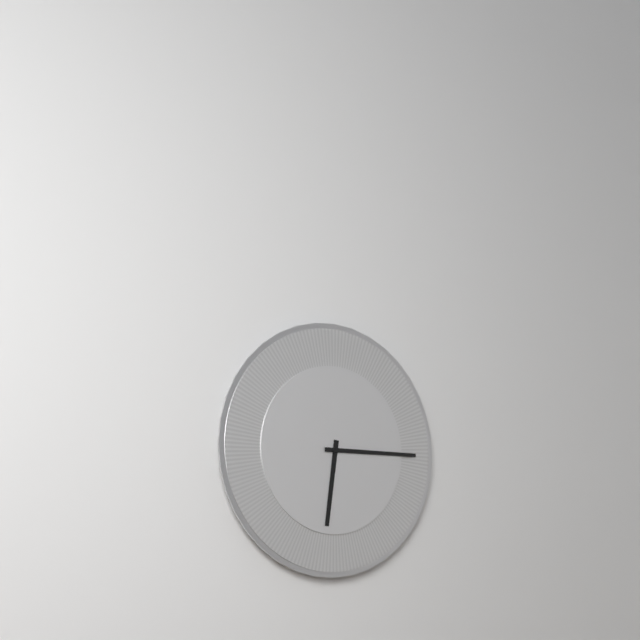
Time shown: 6:15
